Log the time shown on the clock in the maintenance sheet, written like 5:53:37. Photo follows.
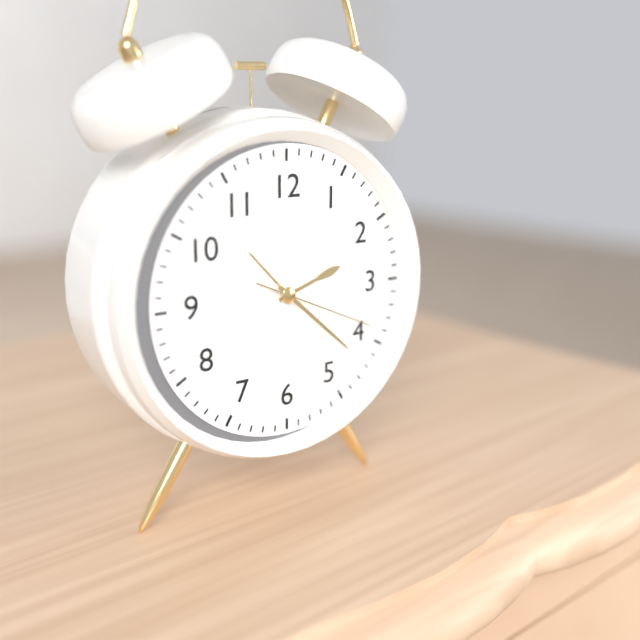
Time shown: 2:22:19
